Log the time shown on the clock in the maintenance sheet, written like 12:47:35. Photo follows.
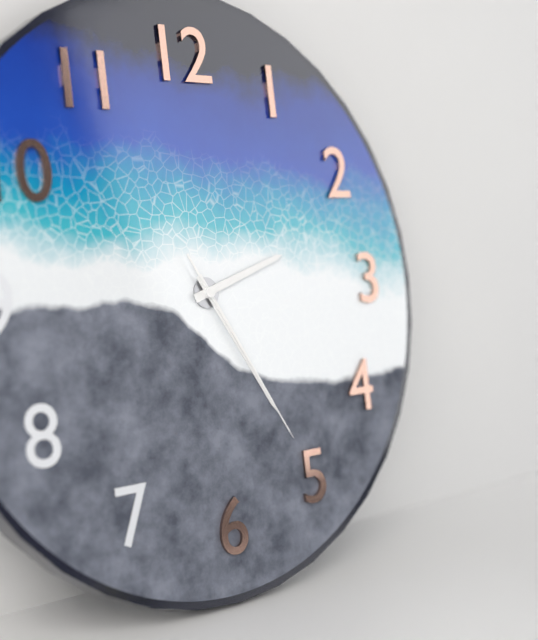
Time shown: 2:25:25
